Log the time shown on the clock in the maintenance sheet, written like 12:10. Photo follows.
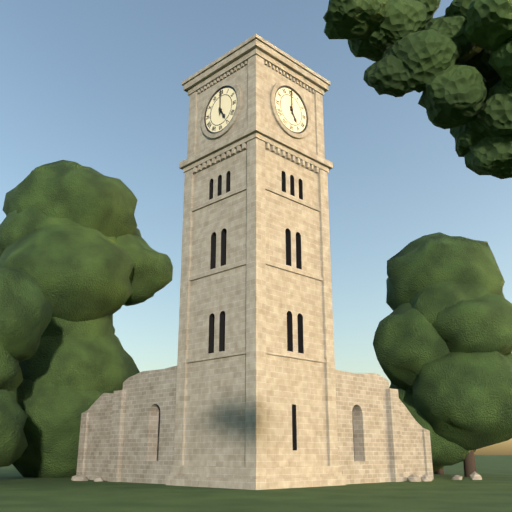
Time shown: 5:00
